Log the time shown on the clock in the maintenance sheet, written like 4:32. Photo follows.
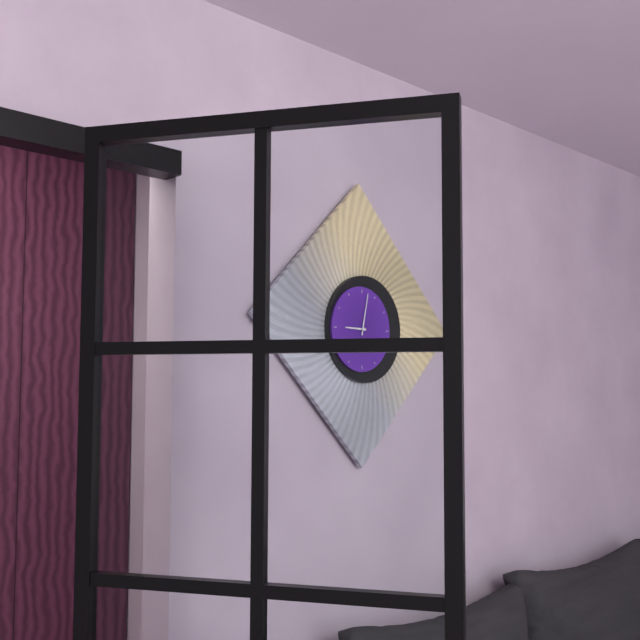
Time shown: 9:02
